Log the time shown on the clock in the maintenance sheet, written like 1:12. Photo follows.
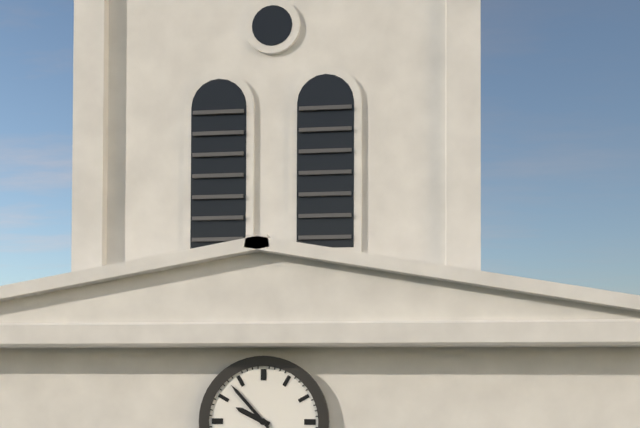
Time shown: 9:53
